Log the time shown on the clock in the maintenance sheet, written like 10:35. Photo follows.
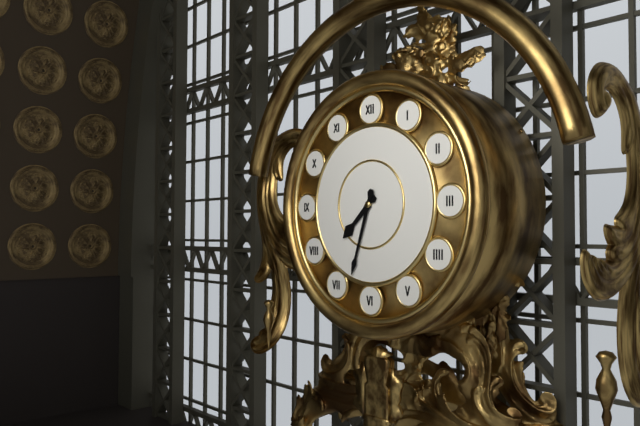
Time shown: 7:33
